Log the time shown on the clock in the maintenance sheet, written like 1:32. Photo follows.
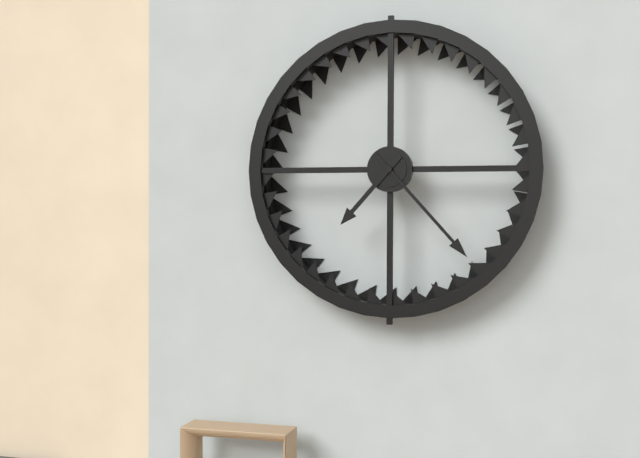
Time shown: 7:23
